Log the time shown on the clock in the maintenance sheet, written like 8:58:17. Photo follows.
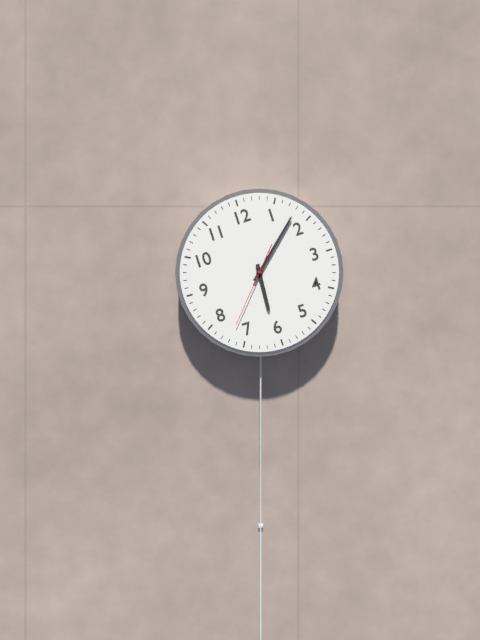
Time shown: 6:08:37
